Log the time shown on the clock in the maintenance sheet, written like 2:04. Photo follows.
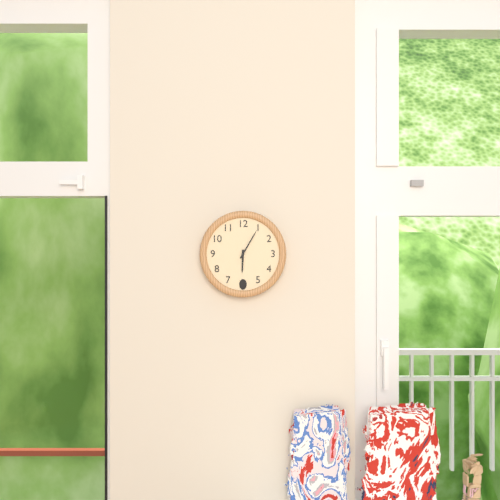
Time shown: 6:05
